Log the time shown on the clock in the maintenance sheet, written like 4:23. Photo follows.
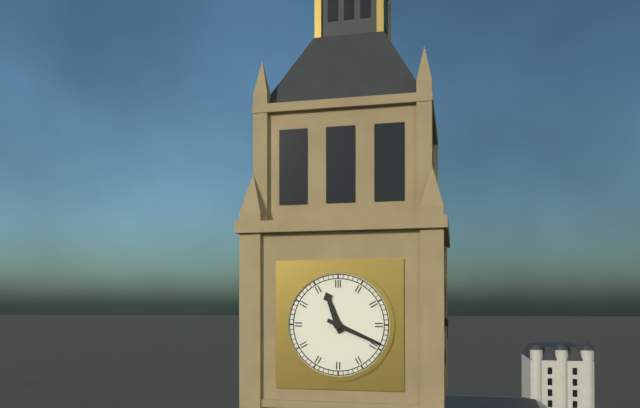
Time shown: 11:19
